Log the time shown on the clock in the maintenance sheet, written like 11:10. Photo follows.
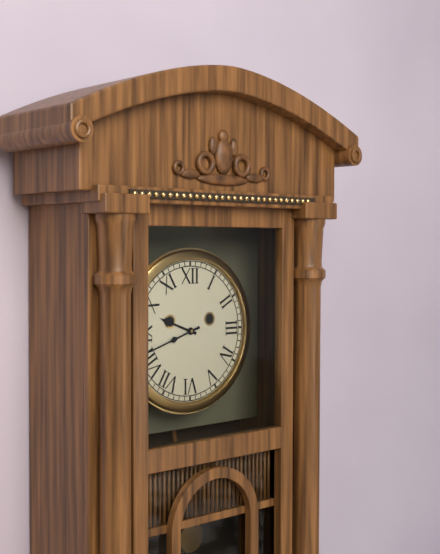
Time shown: 9:42
